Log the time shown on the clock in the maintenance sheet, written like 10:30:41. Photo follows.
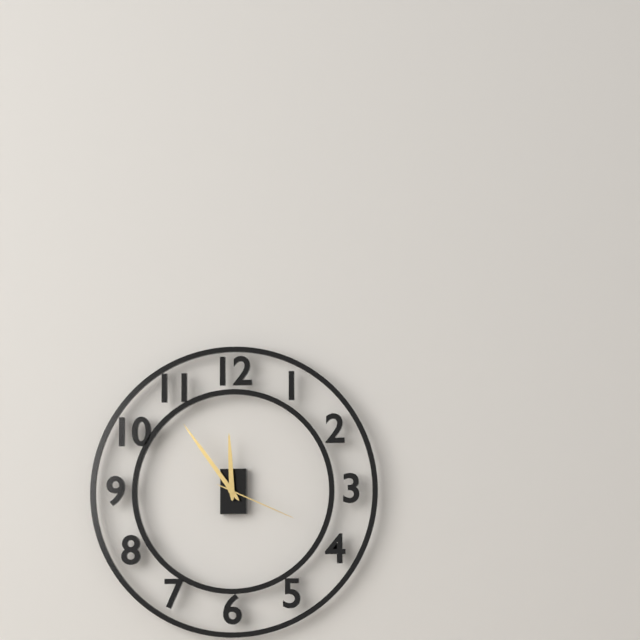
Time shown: 11:54:19
